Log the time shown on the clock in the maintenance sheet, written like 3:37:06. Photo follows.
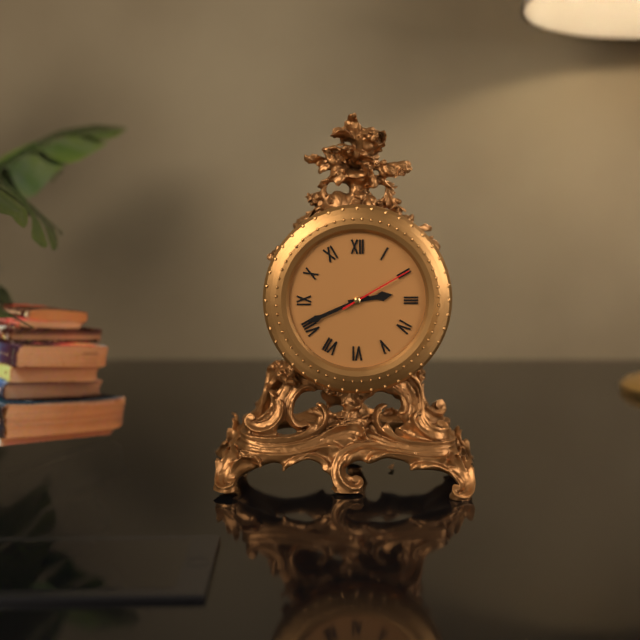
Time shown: 2:41:10
